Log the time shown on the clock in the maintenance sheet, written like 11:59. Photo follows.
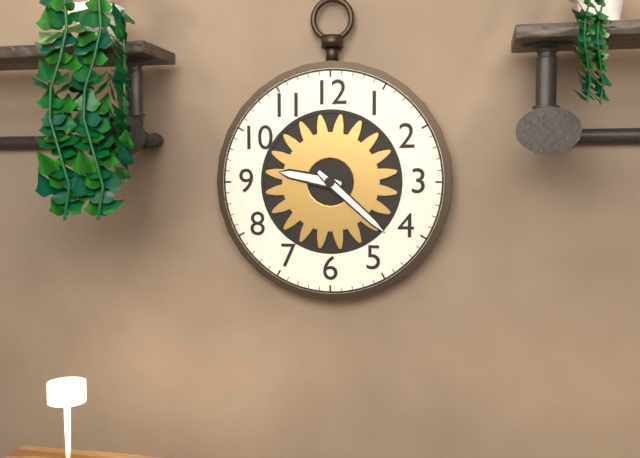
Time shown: 9:22
